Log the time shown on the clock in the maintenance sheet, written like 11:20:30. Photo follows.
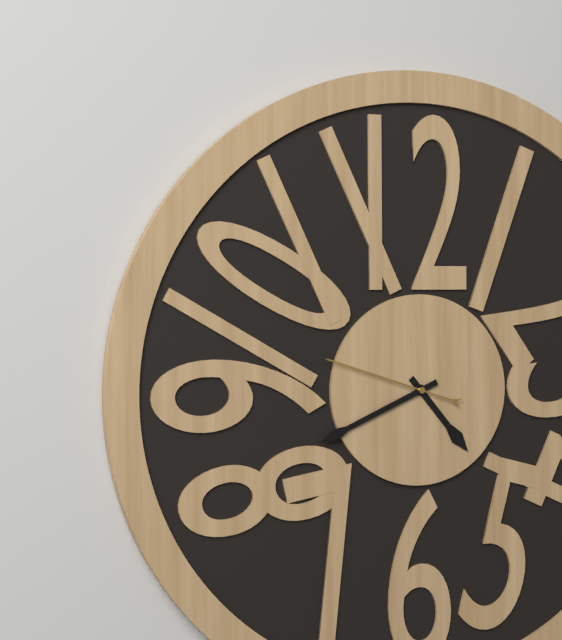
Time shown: 4:41:48
